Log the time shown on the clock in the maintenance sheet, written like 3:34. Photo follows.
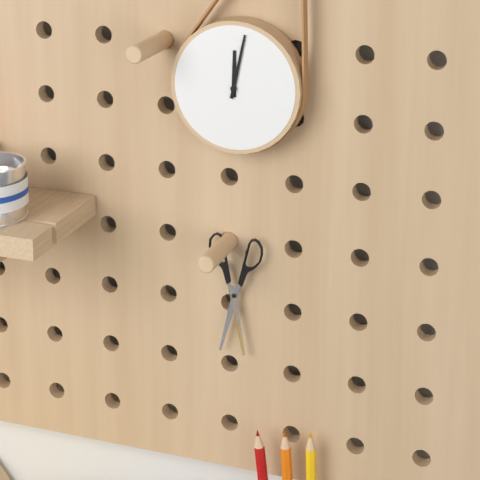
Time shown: 12:02
